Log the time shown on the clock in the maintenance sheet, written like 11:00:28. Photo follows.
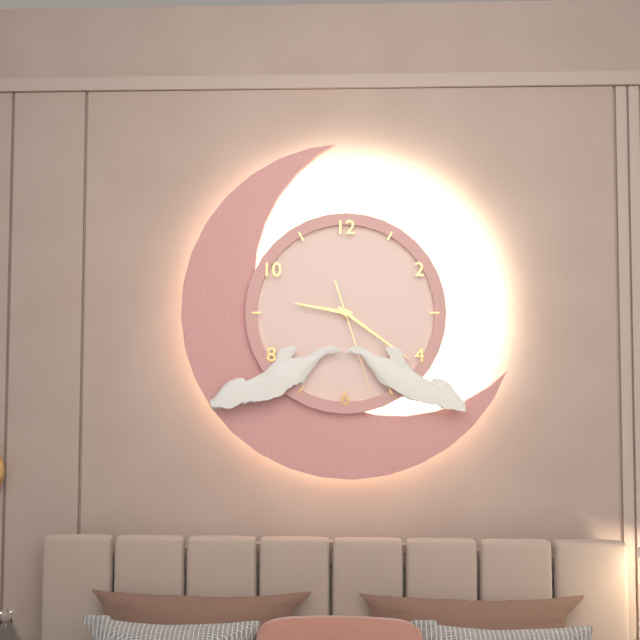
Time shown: 9:21:27
